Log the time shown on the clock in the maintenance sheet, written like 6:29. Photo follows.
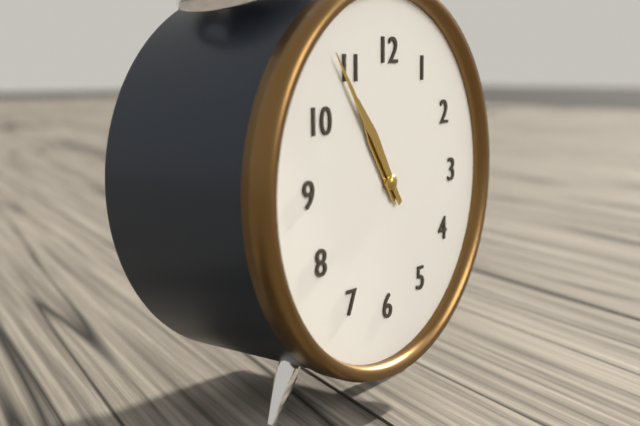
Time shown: 10:54
